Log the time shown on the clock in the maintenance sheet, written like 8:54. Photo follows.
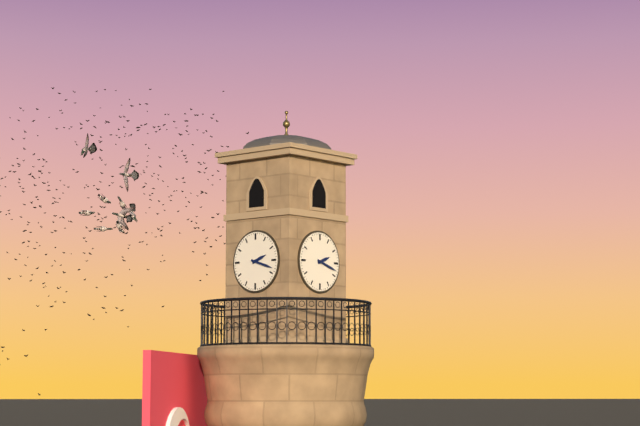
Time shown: 2:18
